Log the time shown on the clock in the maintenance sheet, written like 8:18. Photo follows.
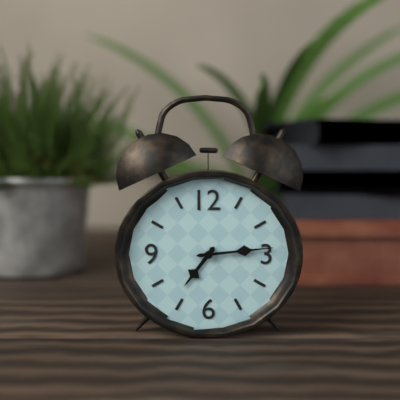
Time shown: 7:14
